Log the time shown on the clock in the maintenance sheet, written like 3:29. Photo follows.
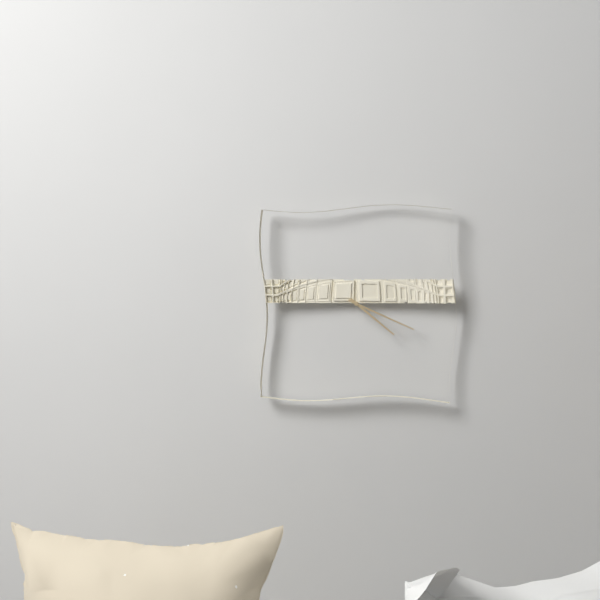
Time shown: 4:19
